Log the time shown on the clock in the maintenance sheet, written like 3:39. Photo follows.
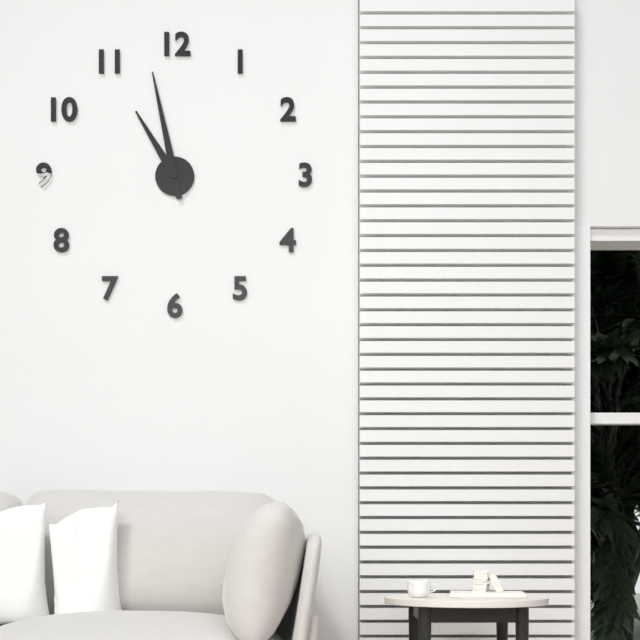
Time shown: 10:58
